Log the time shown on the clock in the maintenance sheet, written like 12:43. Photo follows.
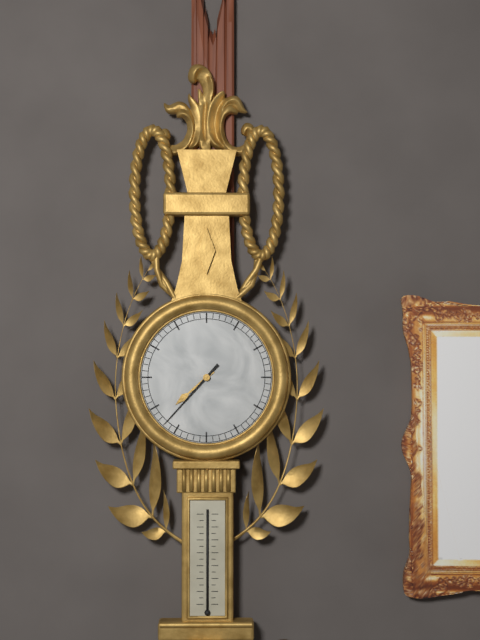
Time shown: 7:37
